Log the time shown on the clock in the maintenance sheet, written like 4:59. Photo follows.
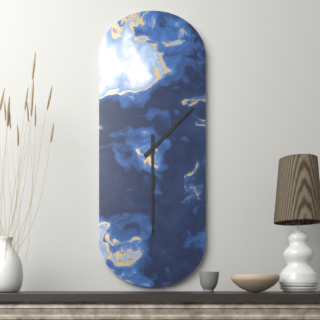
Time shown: 1:30
